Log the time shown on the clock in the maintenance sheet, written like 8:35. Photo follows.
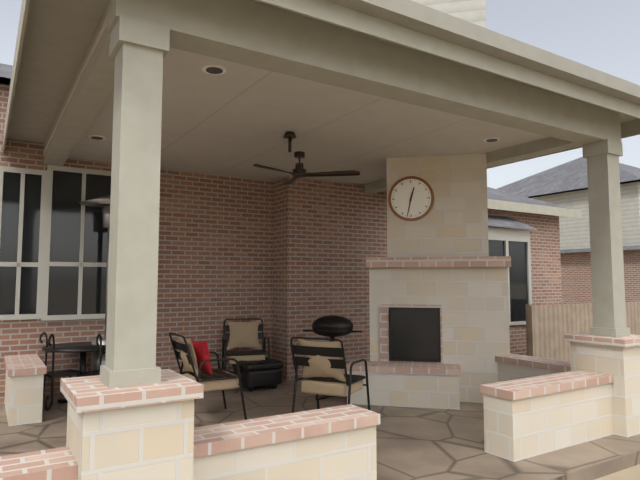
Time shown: 12:32
